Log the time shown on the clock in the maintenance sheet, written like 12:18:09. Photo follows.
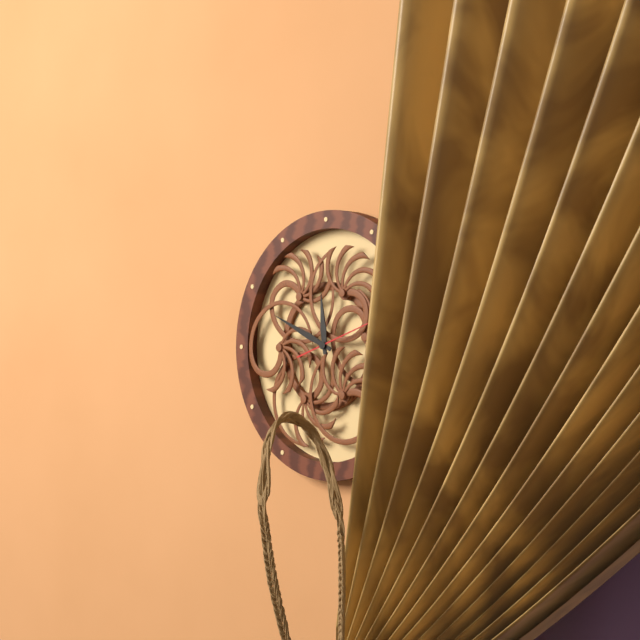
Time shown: 11:49:12
